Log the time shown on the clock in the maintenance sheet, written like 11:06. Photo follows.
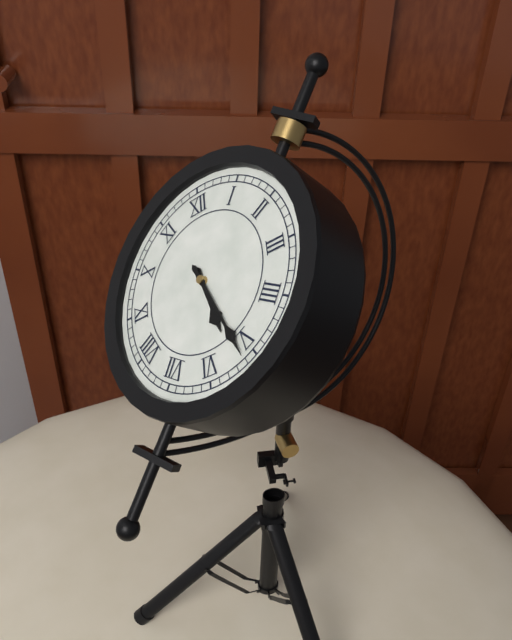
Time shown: 5:26
